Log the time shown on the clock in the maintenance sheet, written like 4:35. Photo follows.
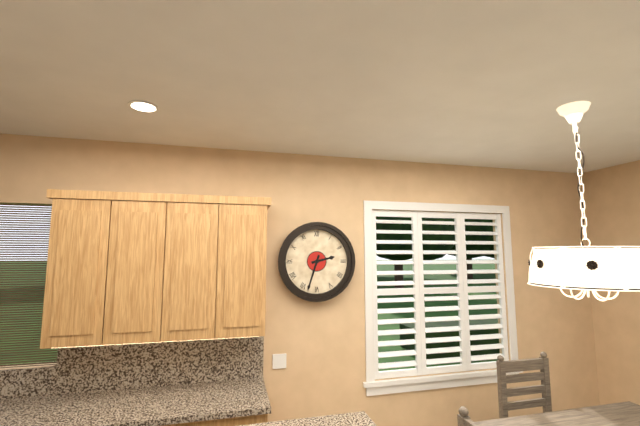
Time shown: 2:33
